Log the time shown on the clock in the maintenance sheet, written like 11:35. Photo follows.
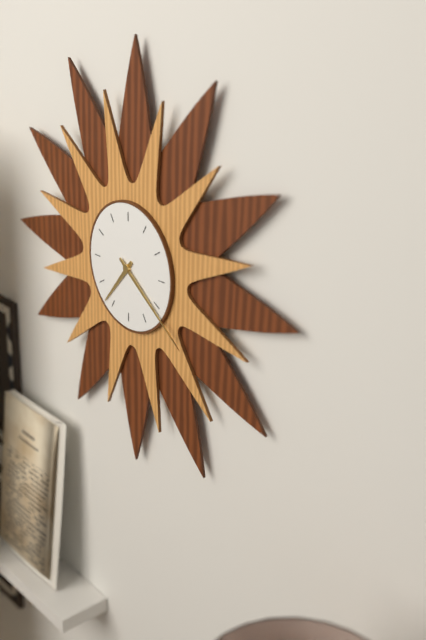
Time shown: 7:21
